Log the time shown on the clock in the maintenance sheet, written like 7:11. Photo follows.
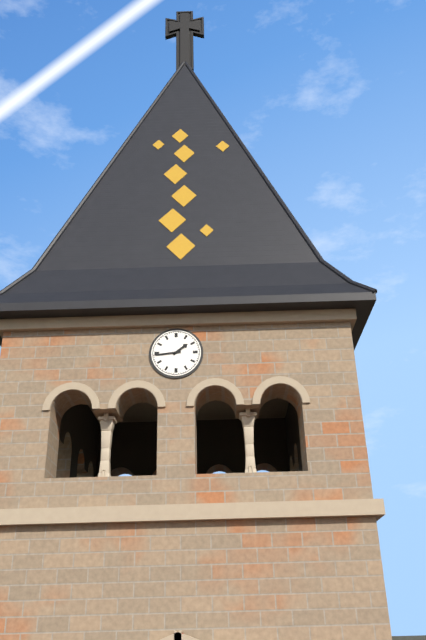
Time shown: 1:44
